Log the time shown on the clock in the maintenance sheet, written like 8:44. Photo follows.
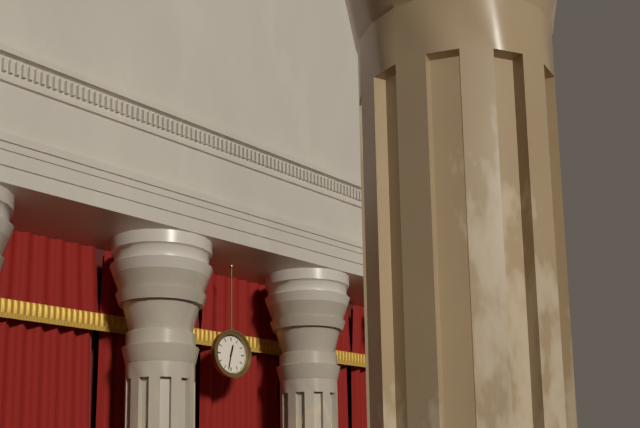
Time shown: 12:32
